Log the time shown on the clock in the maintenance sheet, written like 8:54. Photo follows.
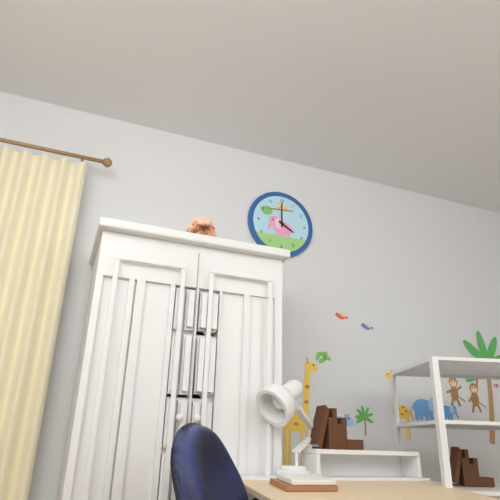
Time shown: 4:00
